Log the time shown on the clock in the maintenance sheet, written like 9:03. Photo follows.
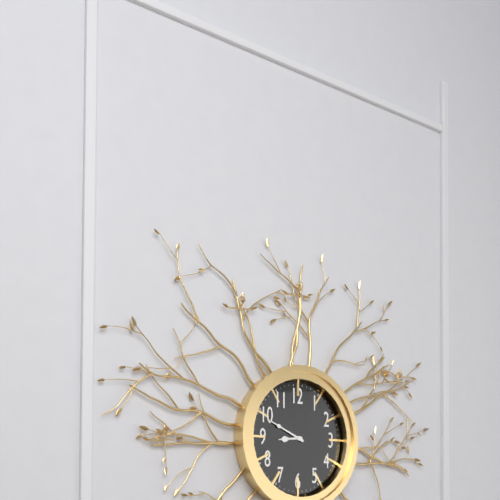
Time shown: 8:49
